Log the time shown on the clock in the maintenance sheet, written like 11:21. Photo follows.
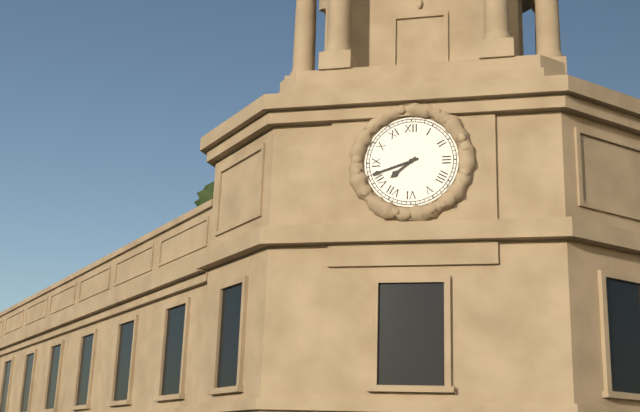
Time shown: 7:42
